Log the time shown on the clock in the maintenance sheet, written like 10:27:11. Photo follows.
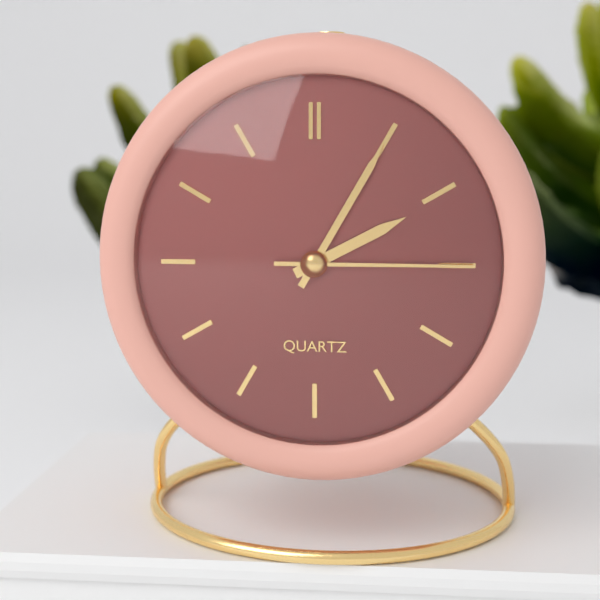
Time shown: 2:05:15
